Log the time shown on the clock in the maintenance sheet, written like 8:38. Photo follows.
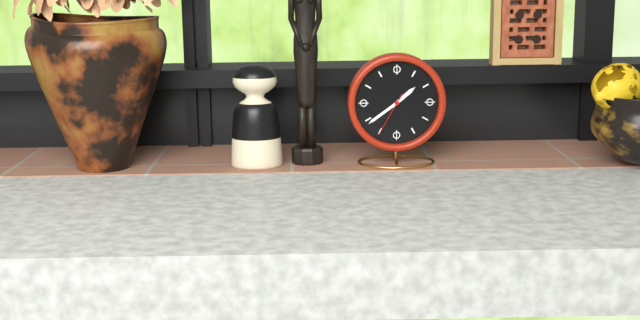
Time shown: 1:39
